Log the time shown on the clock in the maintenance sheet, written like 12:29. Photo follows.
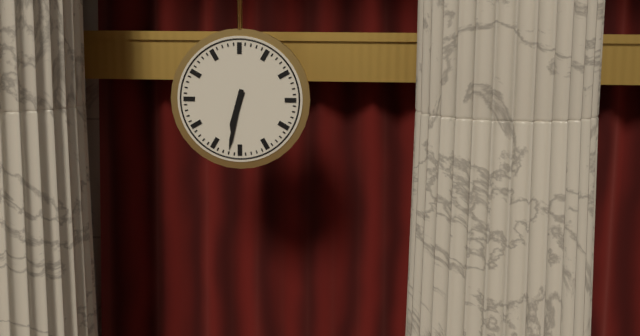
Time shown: 6:32
